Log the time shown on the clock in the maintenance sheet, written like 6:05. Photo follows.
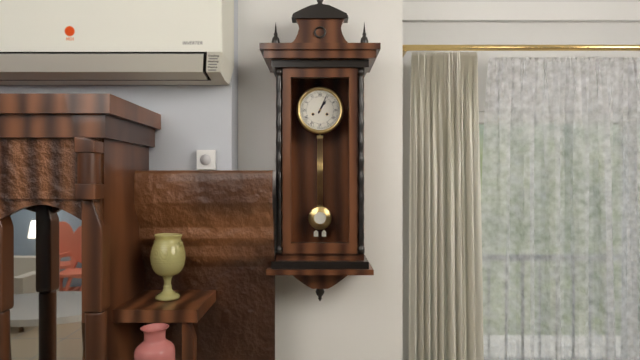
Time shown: 1:04
